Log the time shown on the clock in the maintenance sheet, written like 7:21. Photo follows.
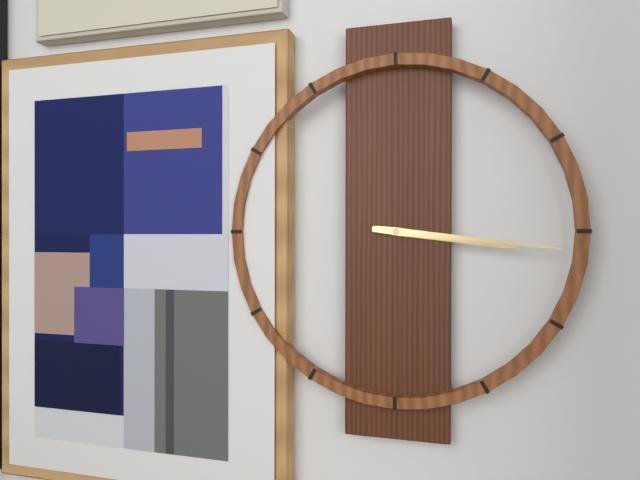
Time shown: 3:16
